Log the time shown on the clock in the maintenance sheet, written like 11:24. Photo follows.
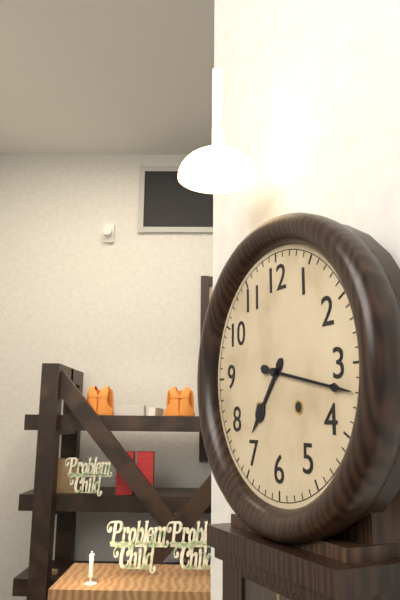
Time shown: 7:17
